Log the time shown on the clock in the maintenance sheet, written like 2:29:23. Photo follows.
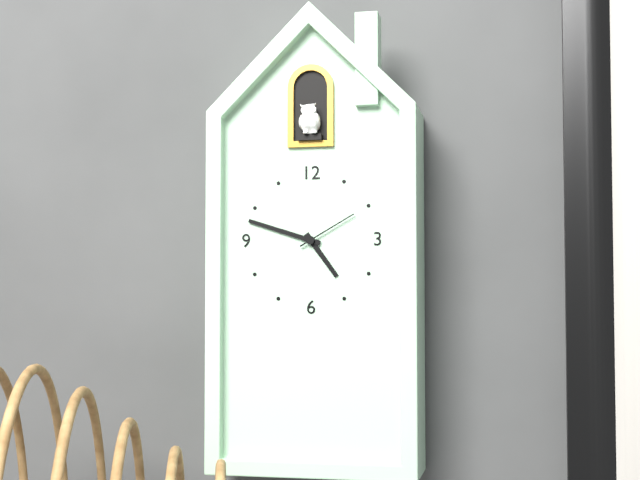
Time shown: 4:48:10
